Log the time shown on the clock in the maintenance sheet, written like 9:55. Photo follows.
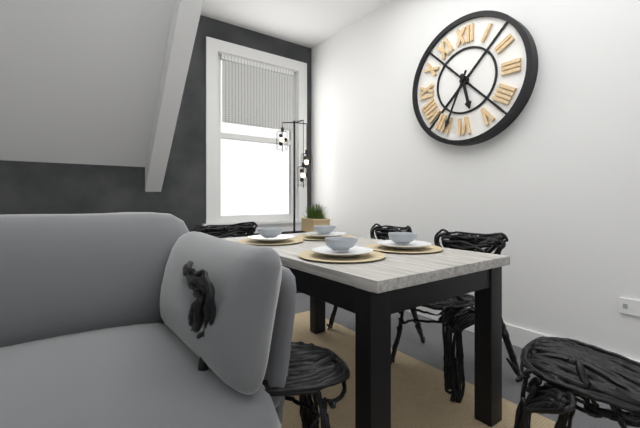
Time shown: 5:34
